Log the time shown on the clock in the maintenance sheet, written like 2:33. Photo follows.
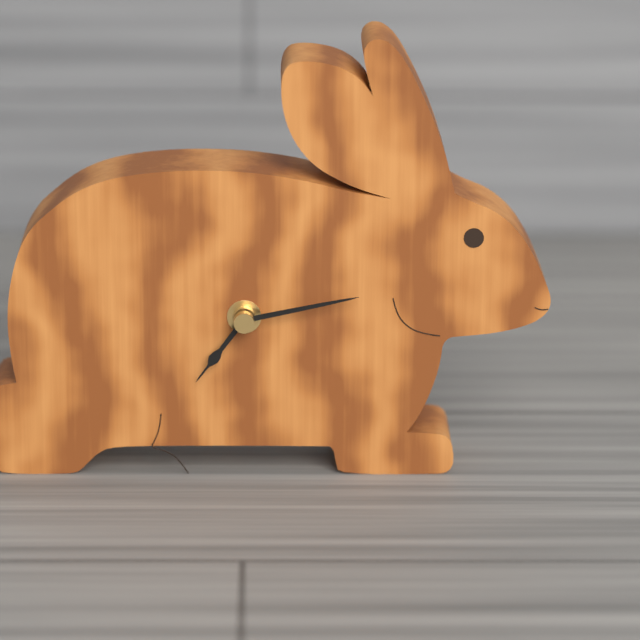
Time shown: 7:13
